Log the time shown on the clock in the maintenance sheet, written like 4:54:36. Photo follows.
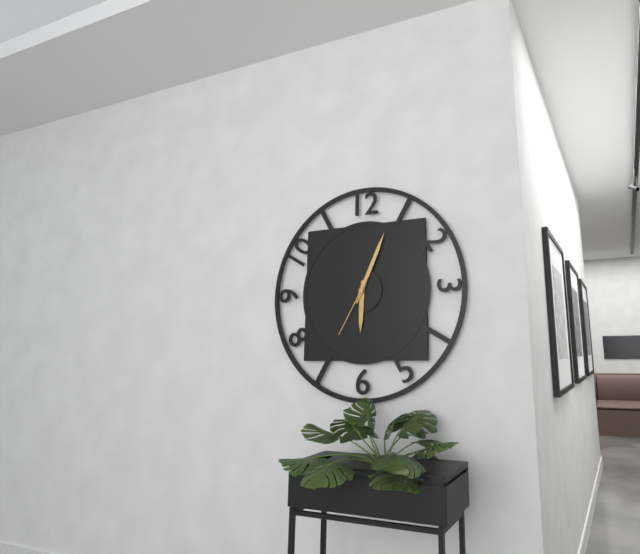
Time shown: 6:04:35
